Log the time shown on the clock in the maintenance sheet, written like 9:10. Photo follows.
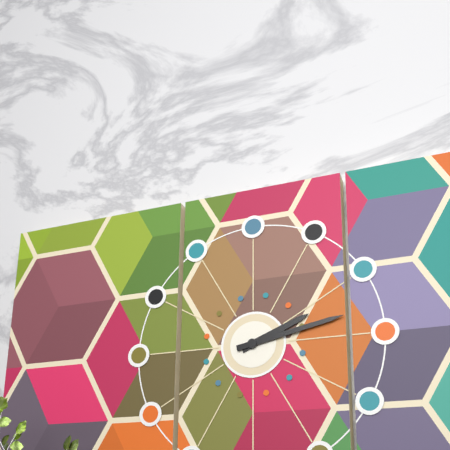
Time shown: 2:13
